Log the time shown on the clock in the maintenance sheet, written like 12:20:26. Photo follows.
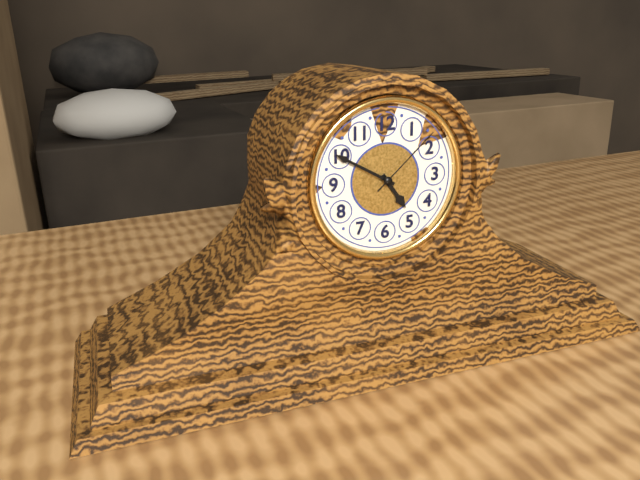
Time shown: 4:50:08
